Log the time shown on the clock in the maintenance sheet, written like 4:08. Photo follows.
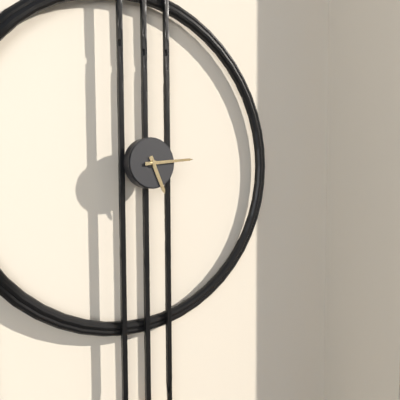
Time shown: 5:14
